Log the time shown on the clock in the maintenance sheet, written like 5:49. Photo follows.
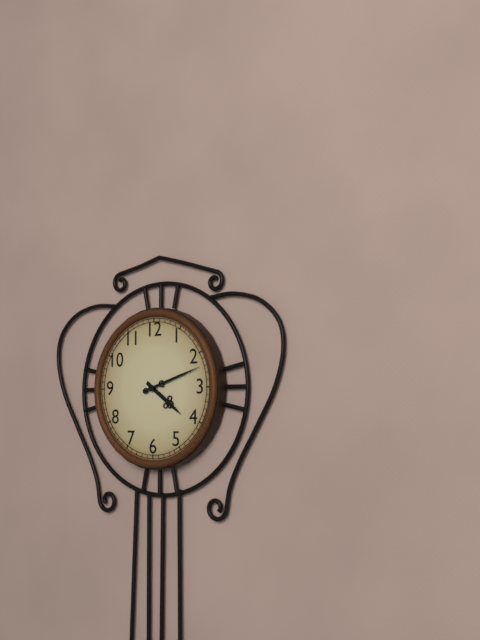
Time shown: 4:12
